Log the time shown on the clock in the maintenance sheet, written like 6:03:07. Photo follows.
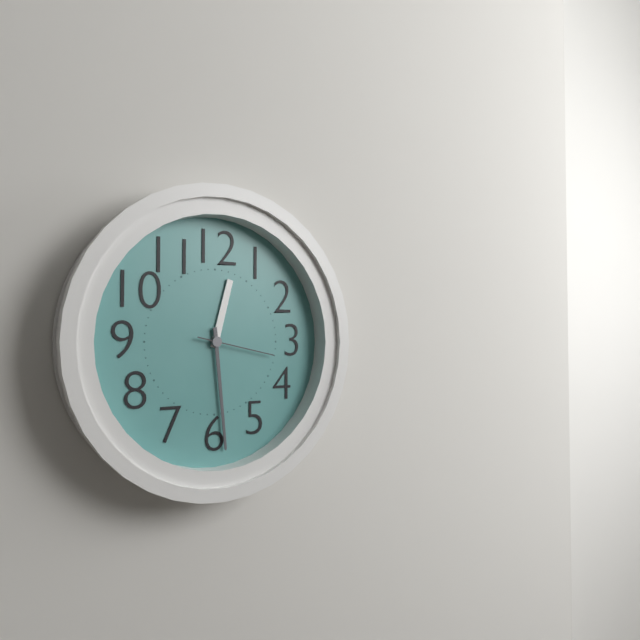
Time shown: 12:29:17
